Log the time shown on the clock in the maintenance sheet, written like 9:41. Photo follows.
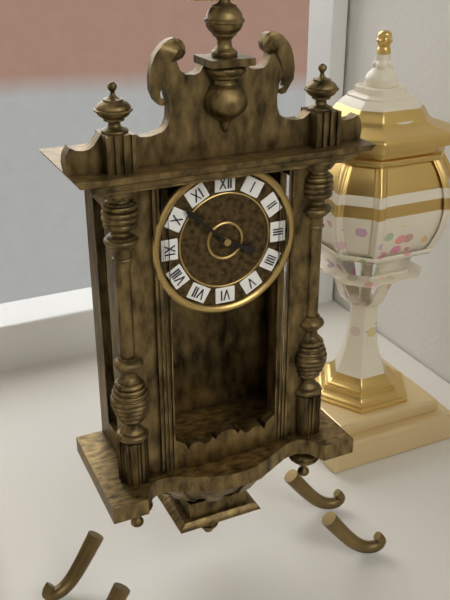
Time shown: 3:52
